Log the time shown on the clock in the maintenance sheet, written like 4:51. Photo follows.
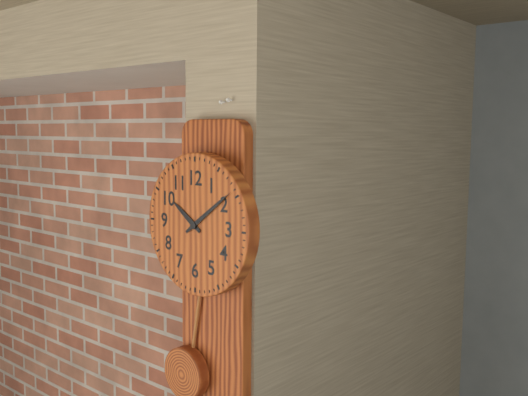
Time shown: 10:09
